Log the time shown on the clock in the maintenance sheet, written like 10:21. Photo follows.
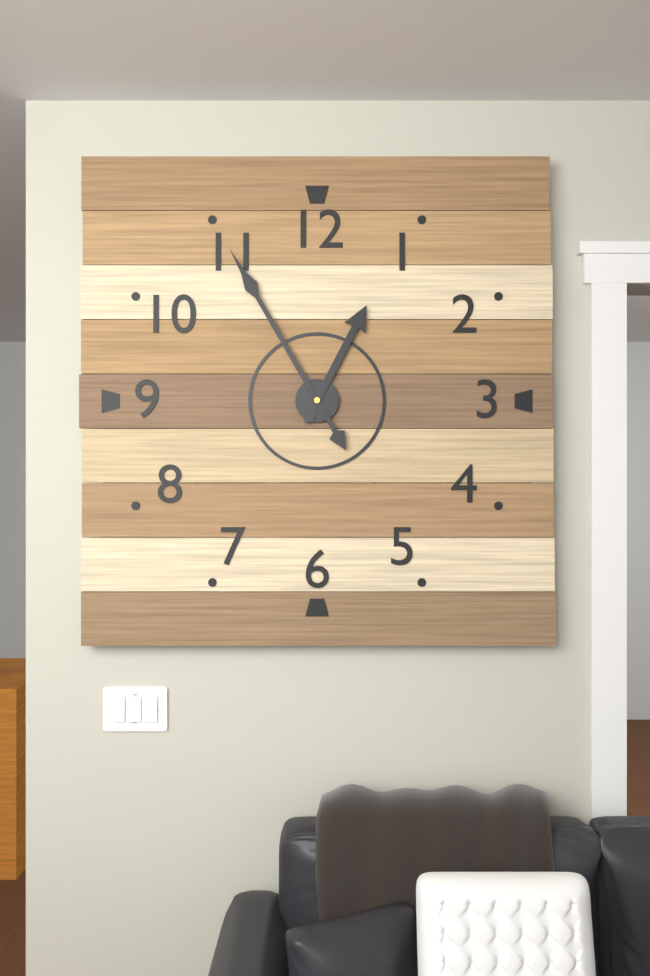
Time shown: 12:55
